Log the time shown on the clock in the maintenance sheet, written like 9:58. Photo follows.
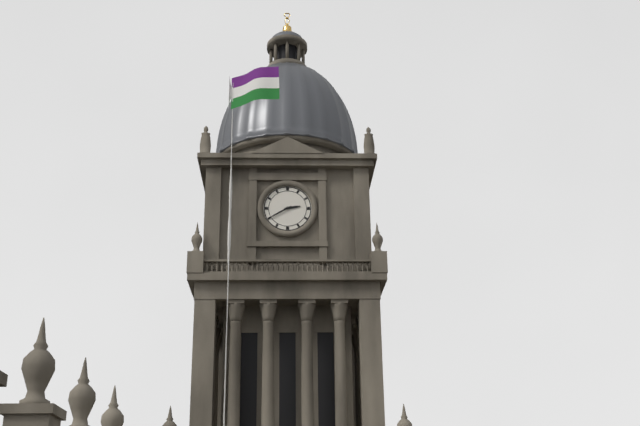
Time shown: 2:40
